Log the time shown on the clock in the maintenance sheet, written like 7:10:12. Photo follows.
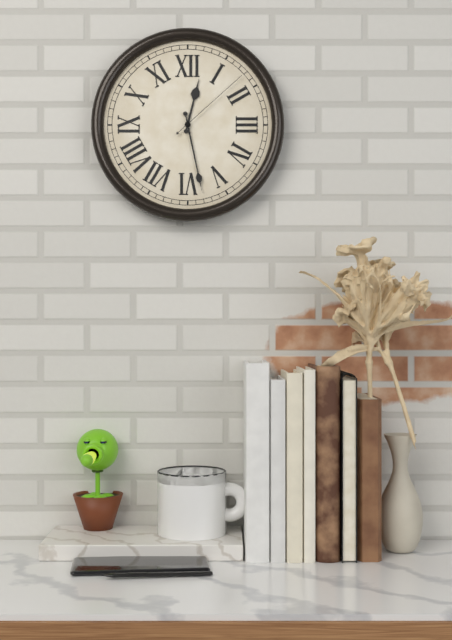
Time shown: 12:28:08
